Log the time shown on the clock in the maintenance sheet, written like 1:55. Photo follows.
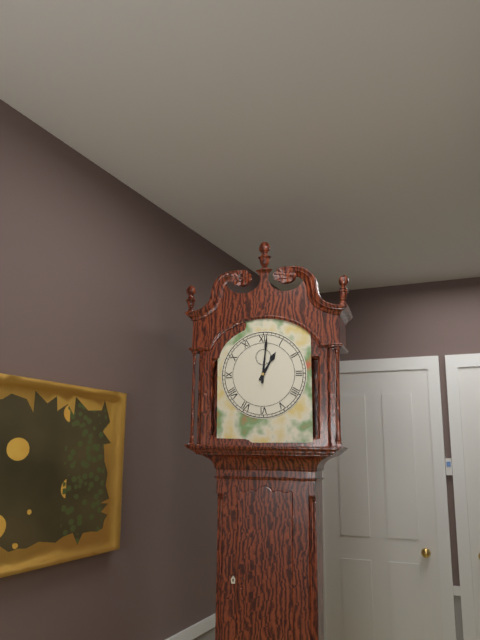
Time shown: 1:01
